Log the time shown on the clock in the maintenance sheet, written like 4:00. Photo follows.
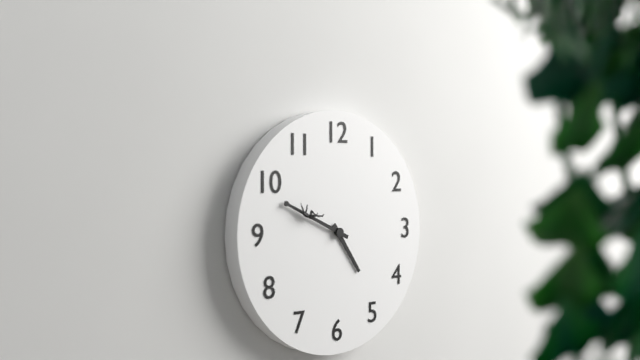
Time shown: 4:49
